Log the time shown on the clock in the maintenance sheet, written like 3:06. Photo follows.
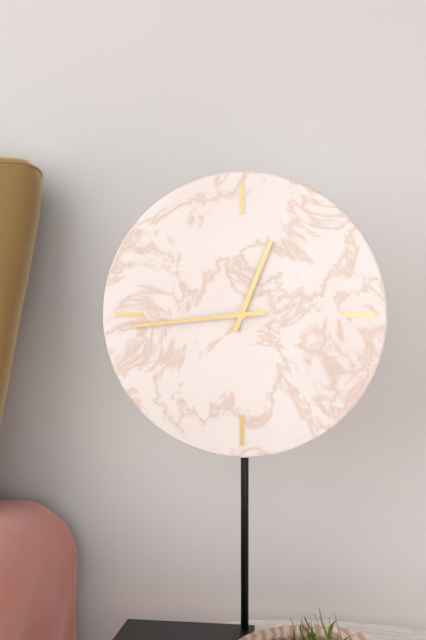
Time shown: 12:44
